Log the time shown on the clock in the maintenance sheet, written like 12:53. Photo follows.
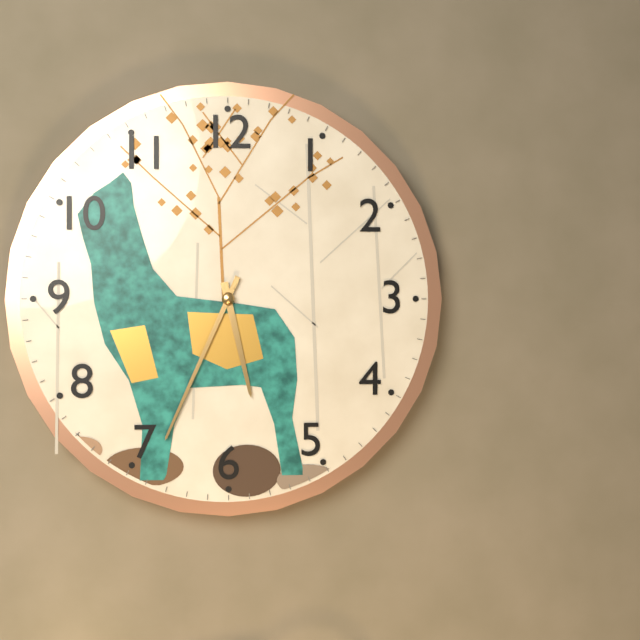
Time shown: 5:34
